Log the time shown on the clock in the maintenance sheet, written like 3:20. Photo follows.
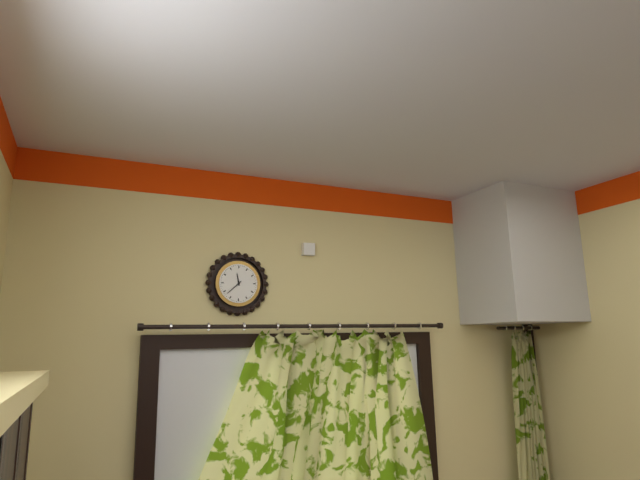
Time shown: 11:38
